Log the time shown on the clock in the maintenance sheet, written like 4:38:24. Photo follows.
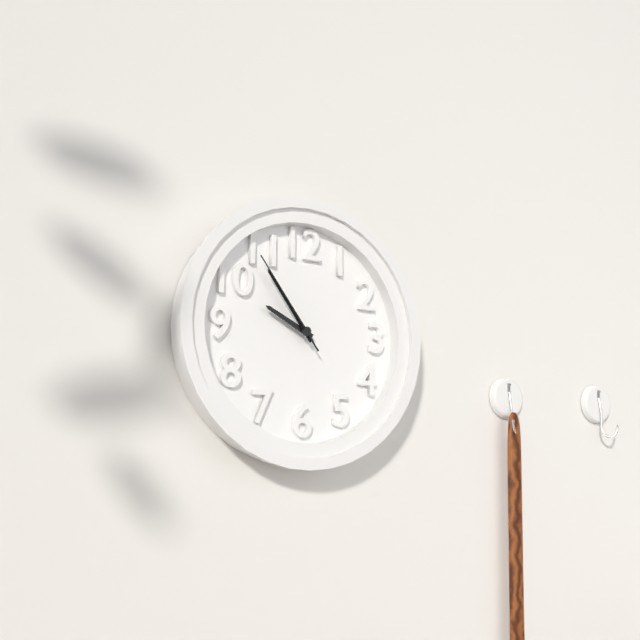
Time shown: 9:54:54
